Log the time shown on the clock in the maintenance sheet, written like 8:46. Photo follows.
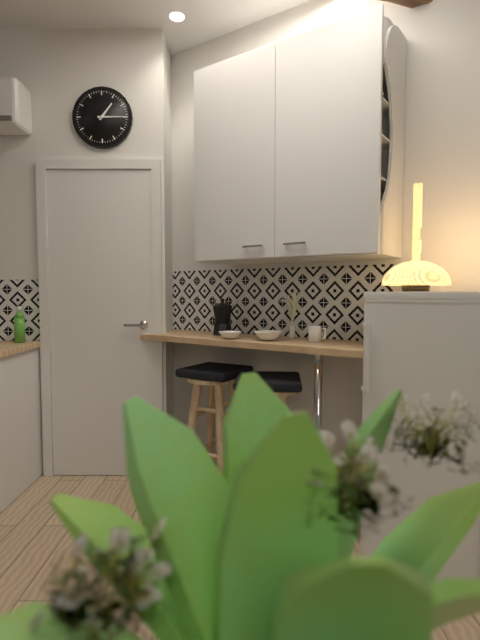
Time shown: 1:15
